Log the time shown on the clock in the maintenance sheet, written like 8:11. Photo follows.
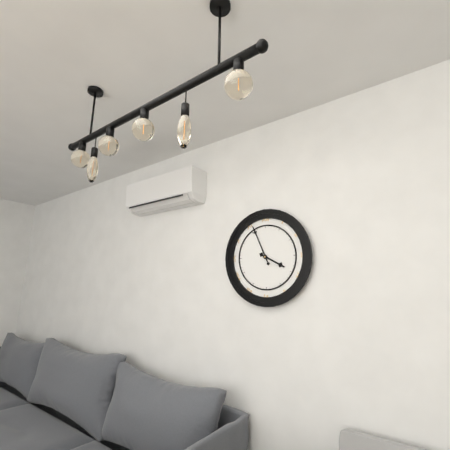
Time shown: 3:56
